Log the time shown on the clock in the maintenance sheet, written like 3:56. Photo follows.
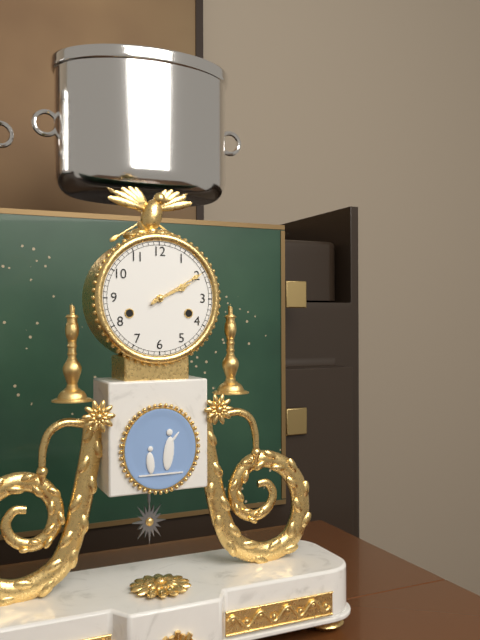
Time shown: 2:10
